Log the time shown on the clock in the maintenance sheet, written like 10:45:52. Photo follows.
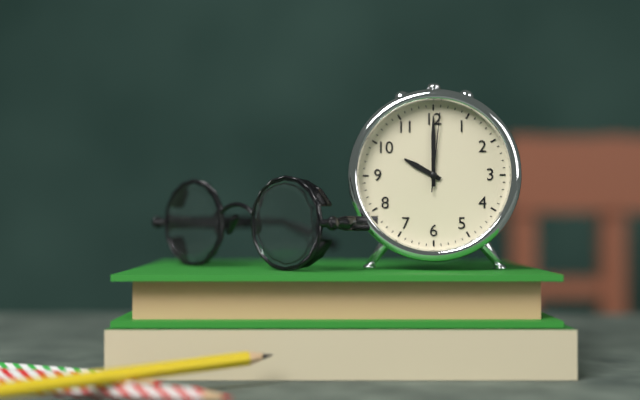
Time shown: 10:00:01
